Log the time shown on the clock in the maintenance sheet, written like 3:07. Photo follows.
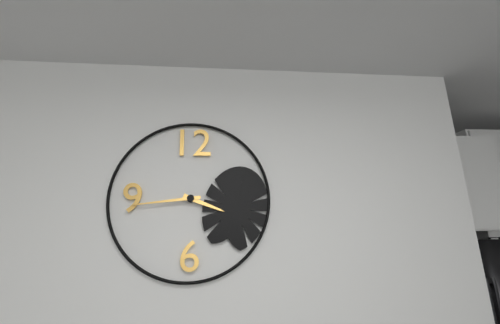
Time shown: 3:44
